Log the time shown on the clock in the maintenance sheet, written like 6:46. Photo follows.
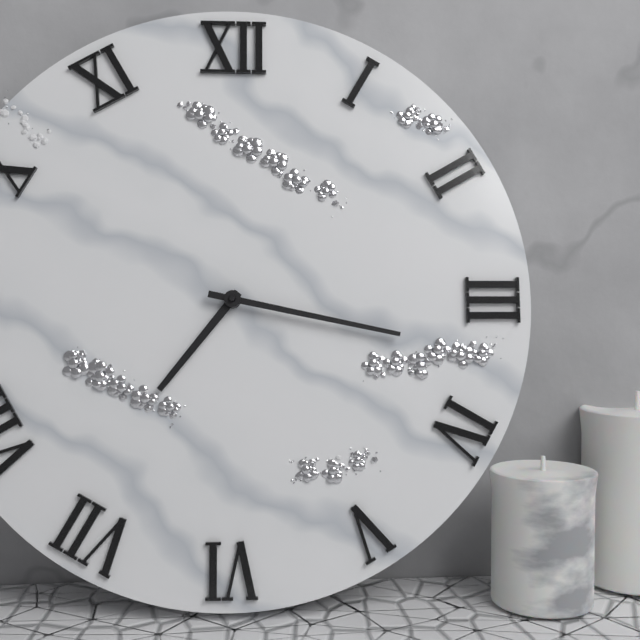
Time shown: 7:17
